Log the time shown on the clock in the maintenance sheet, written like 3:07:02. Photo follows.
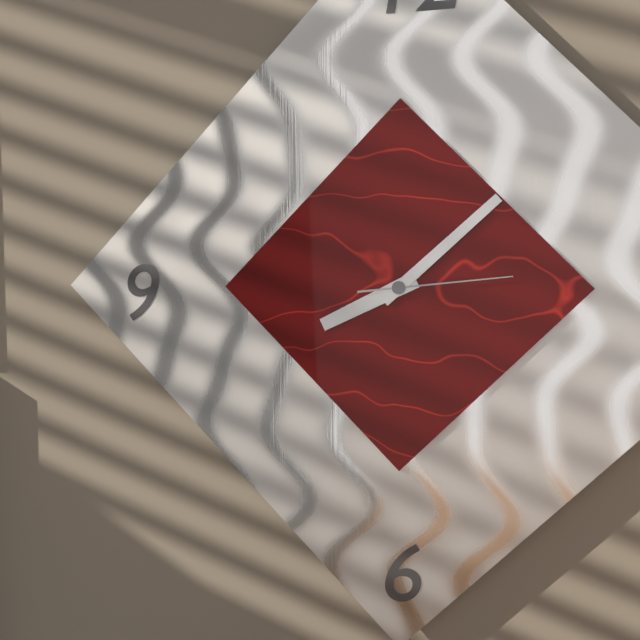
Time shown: 8:08:14
